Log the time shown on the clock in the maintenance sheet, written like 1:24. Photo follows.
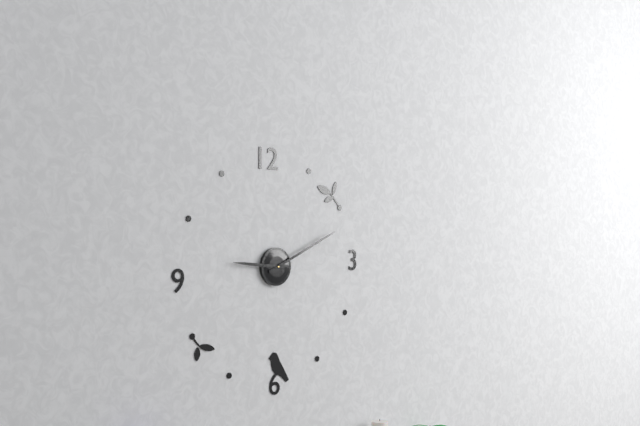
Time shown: 9:11
